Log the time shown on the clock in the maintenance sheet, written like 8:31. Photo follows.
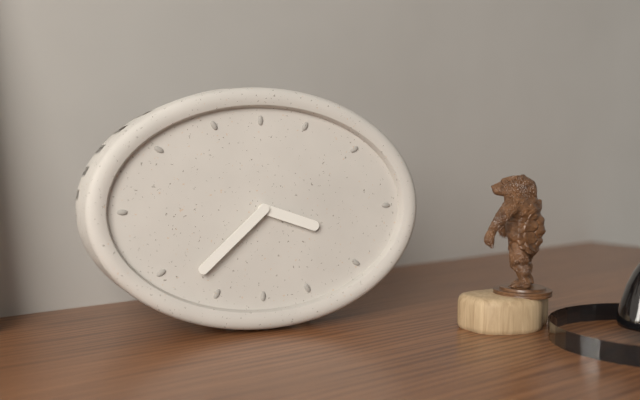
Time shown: 3:38
